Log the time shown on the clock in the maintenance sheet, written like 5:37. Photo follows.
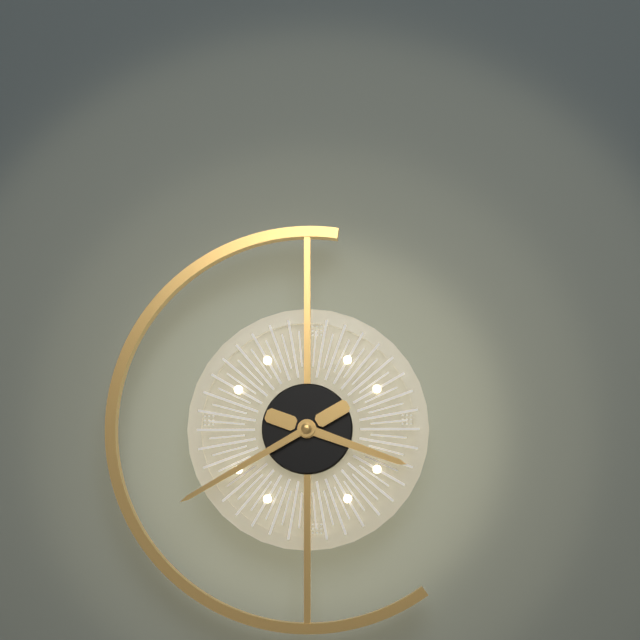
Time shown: 3:40
